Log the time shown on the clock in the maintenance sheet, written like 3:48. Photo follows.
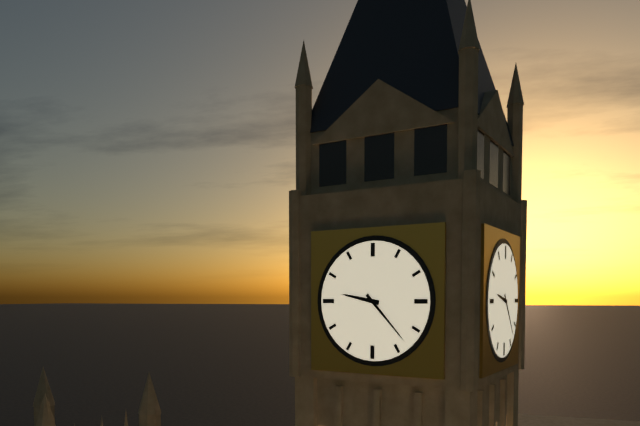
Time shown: 9:23
